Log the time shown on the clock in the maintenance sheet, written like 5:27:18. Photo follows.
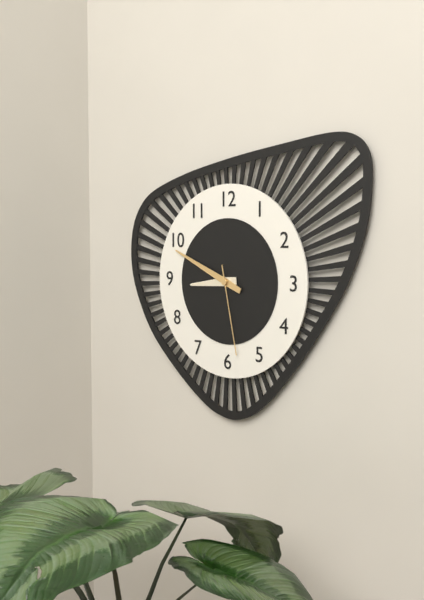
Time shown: 8:49:28
